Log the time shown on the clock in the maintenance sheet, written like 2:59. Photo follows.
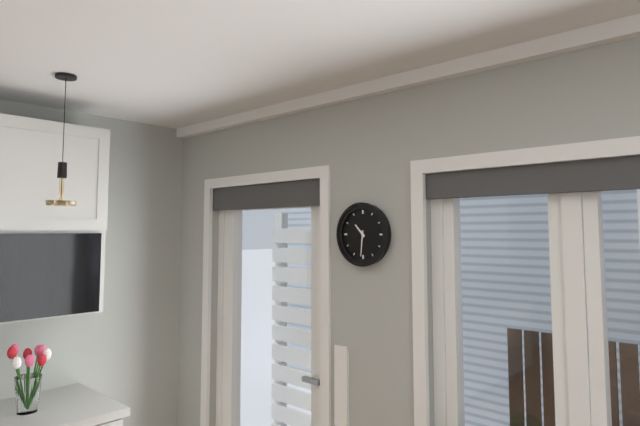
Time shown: 10:31
